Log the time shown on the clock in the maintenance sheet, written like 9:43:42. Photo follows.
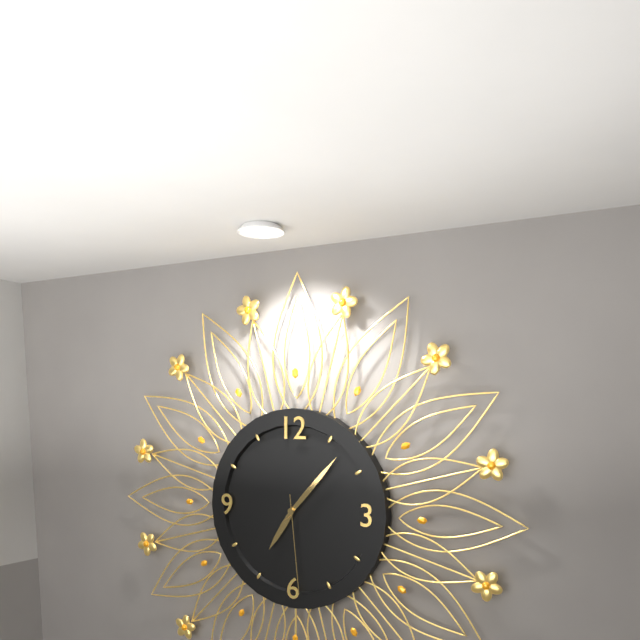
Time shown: 7:07:29
